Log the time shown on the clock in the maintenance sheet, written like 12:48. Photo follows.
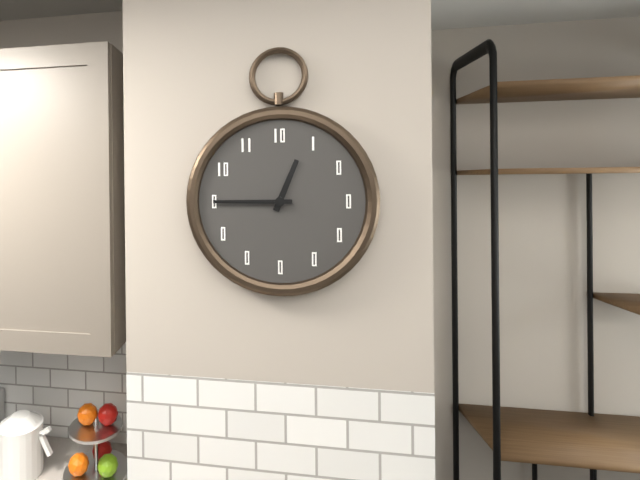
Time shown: 12:45
